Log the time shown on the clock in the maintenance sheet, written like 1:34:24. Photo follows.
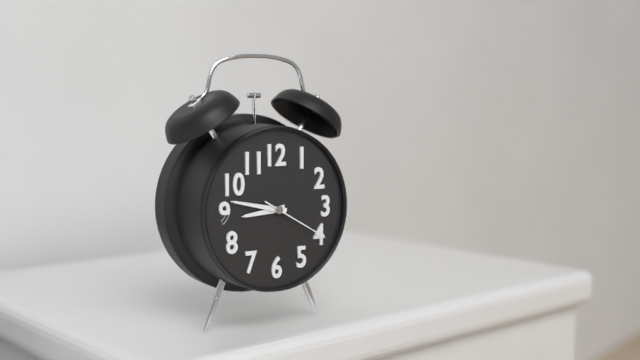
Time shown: 8:47:20
